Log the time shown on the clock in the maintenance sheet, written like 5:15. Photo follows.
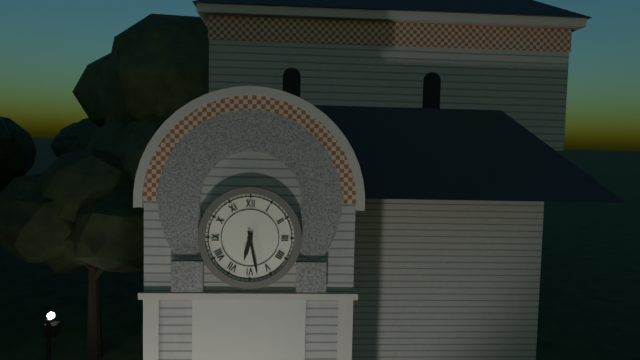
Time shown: 6:28
